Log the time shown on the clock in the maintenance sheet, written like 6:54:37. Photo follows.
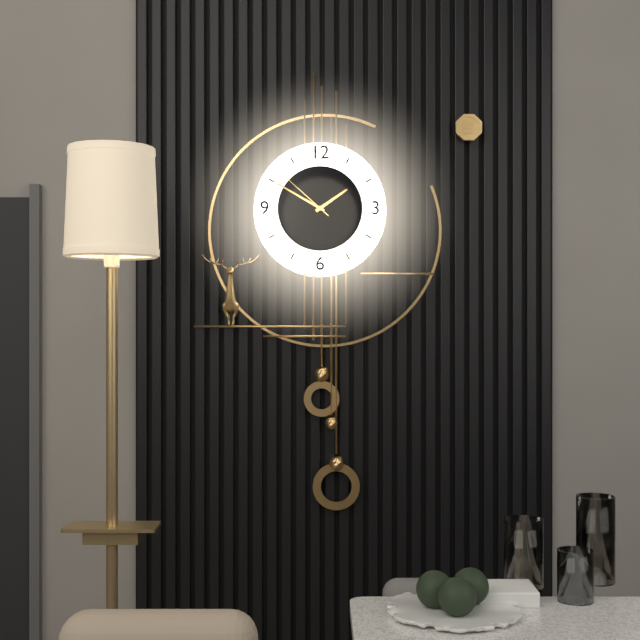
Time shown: 1:50:52
